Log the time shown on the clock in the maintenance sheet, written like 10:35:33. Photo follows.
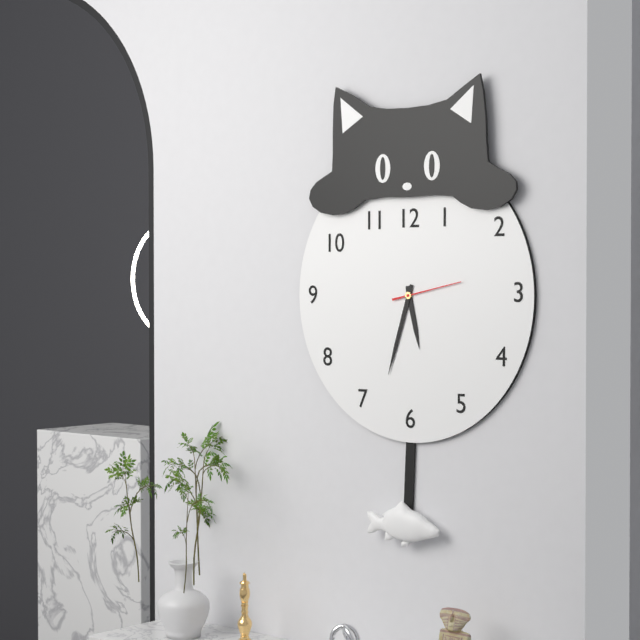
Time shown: 5:33:13
